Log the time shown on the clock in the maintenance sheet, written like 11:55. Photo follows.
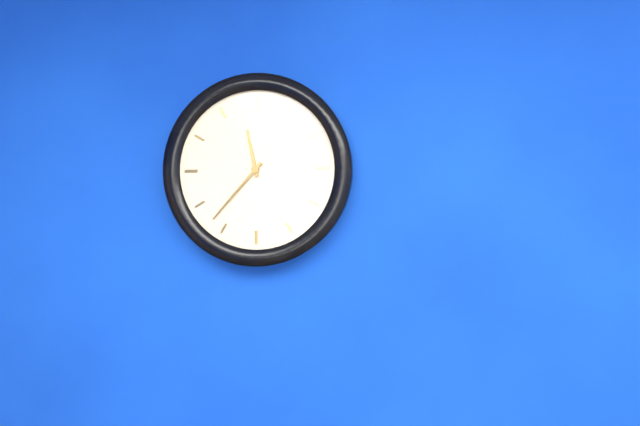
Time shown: 11:37
